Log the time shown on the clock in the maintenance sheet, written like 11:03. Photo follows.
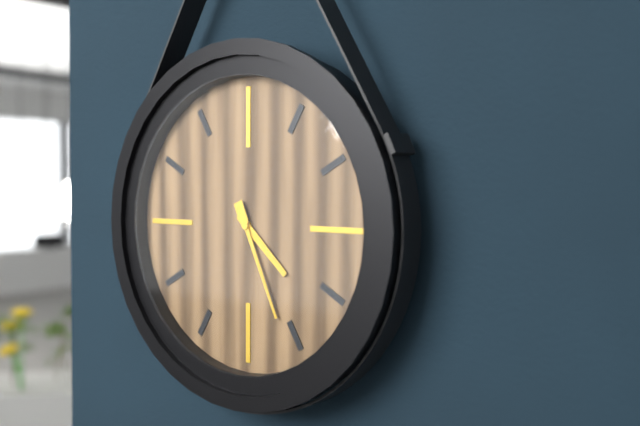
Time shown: 4:26
